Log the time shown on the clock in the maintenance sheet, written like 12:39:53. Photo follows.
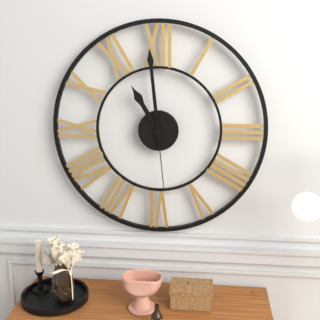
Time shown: 10:59:29
